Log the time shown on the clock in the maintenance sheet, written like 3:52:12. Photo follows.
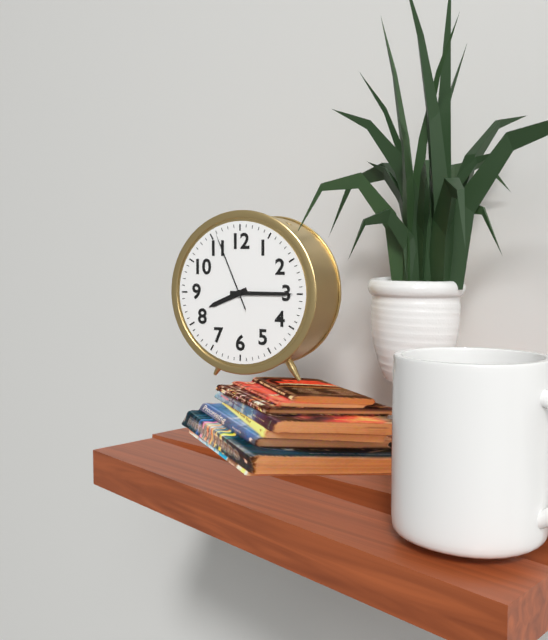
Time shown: 8:15:56
